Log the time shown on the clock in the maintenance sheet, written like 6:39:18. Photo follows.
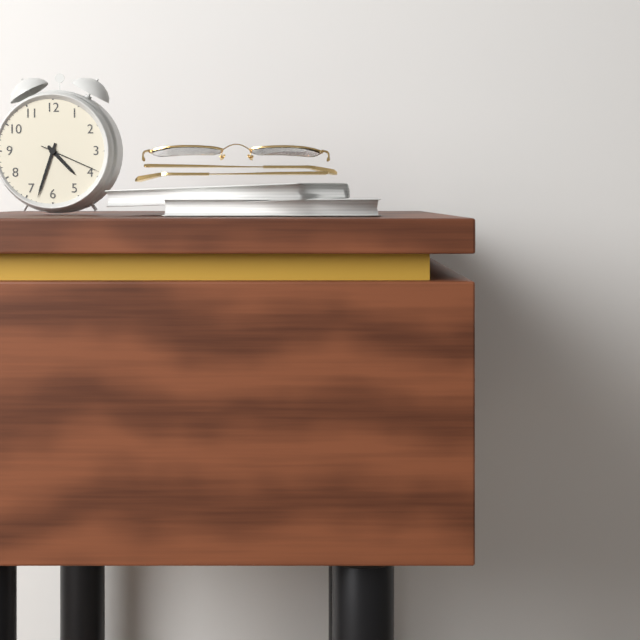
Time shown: 4:33:19
